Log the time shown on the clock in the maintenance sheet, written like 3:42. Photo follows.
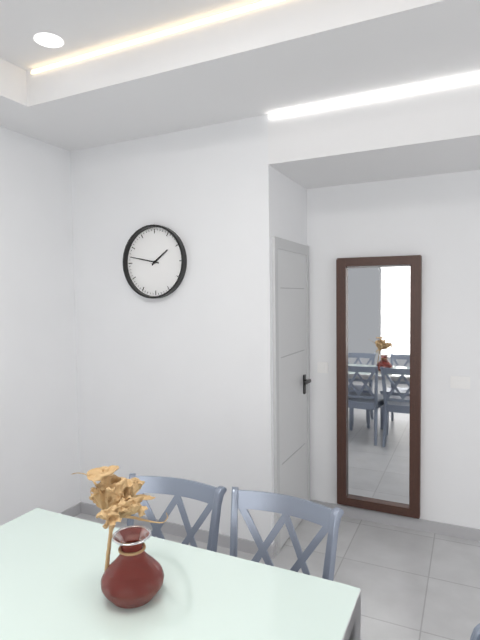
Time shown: 1:47
